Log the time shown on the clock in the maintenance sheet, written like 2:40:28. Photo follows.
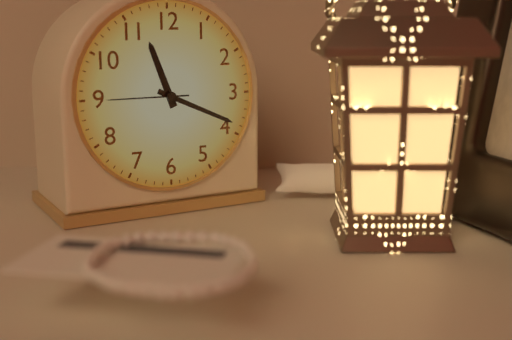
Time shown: 11:19:45
